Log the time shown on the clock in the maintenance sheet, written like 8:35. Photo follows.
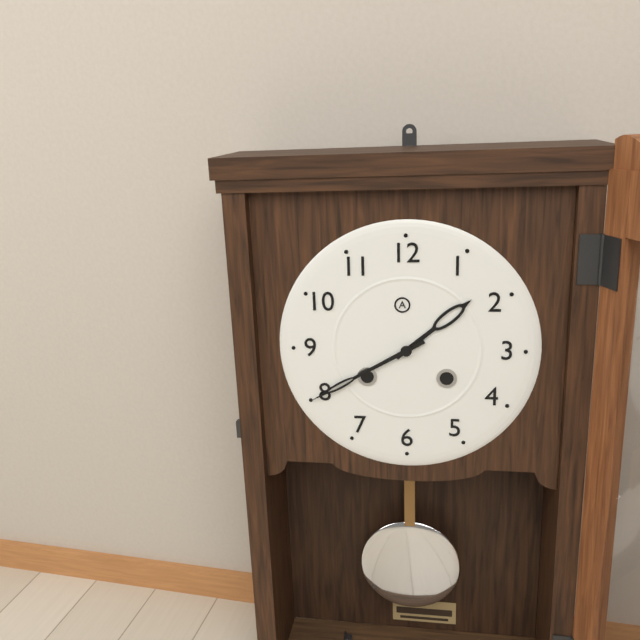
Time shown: 1:40
